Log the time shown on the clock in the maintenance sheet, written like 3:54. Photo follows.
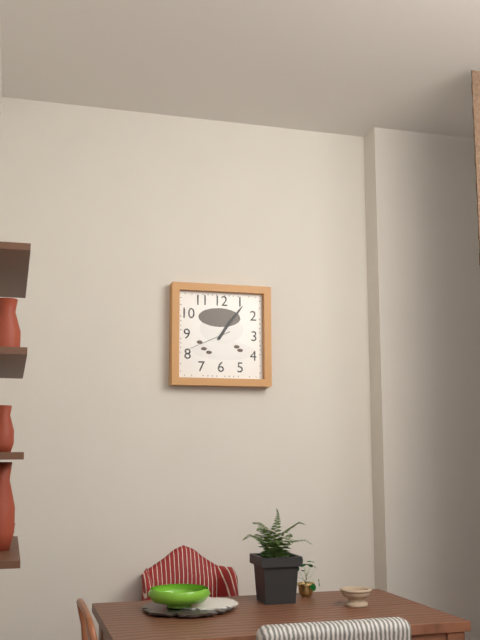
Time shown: 1:06
